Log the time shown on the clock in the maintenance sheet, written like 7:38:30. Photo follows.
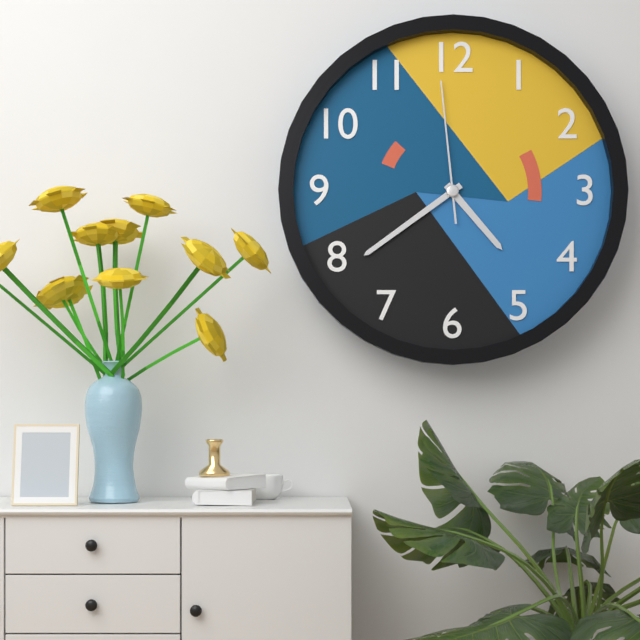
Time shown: 4:39:59
